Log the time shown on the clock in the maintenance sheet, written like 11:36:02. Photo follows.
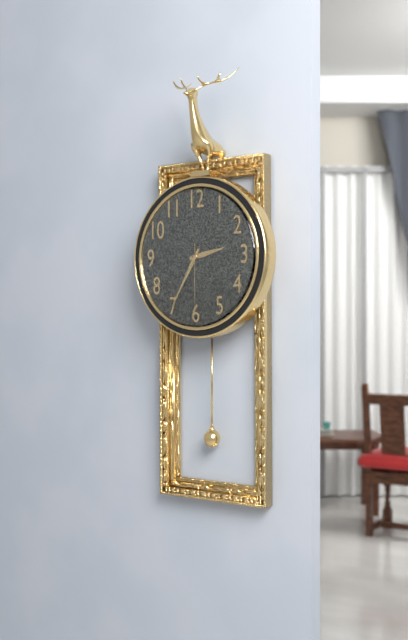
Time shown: 2:35:30
